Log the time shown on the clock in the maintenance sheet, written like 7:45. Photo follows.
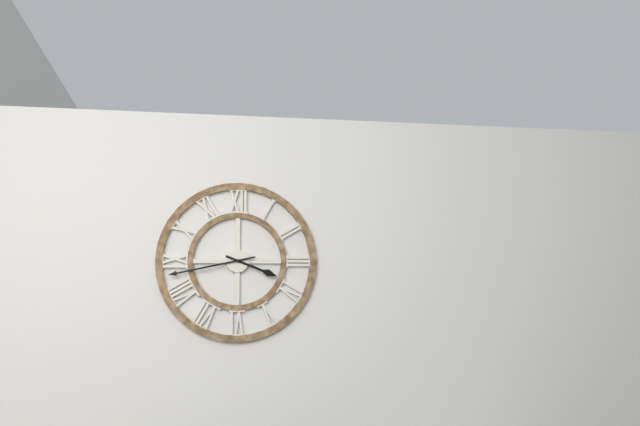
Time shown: 3:43
